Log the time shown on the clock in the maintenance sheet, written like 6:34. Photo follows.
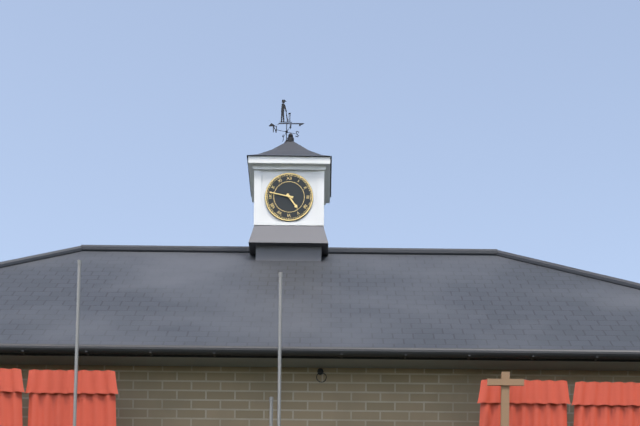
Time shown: 4:47
